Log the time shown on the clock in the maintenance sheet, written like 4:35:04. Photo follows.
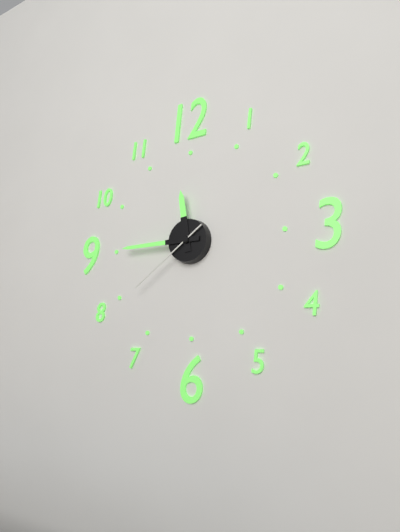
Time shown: 11:45:39
